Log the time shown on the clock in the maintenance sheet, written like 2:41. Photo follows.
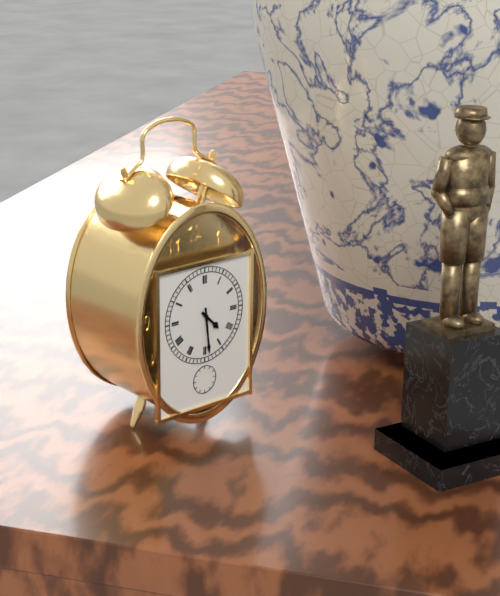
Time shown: 4:29
